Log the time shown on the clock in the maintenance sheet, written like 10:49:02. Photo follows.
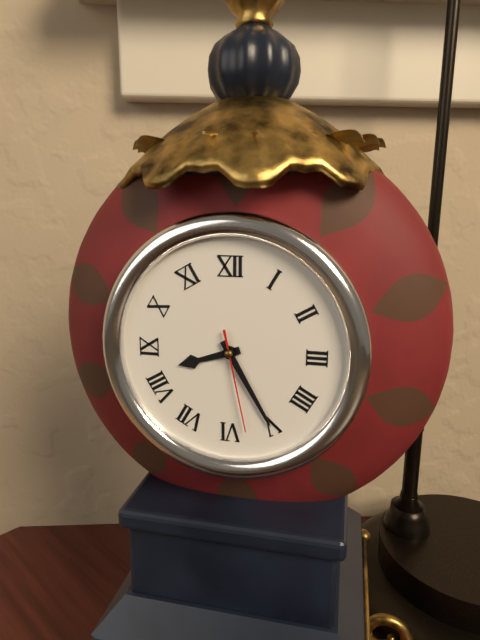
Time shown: 8:25:28
